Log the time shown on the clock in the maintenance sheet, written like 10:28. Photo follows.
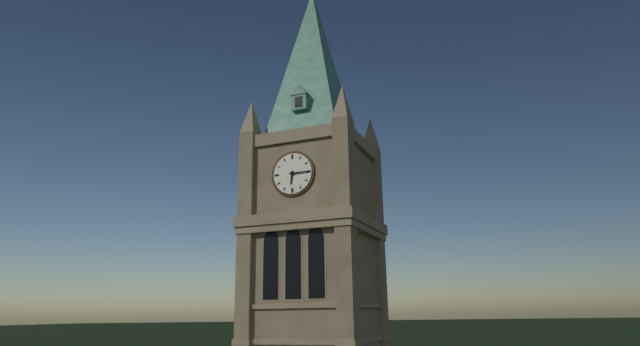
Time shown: 6:15
